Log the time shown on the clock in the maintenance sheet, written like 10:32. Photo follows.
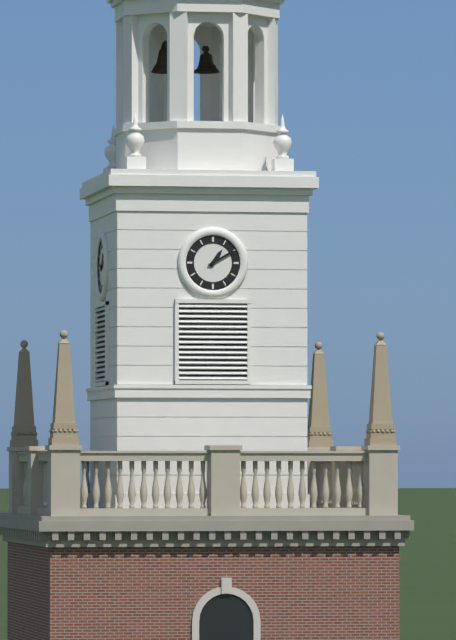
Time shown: 1:10
